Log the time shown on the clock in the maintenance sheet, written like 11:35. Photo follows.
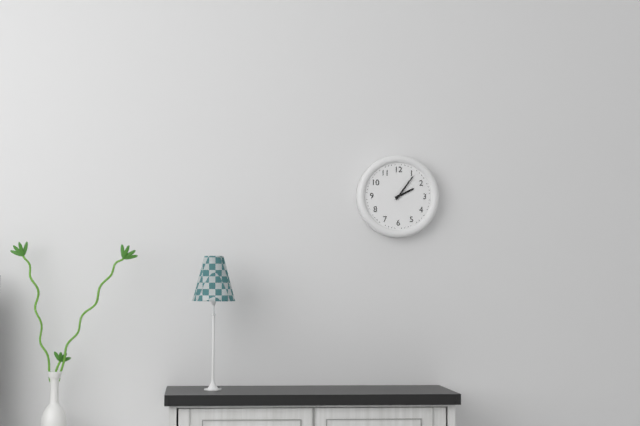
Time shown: 2:06
